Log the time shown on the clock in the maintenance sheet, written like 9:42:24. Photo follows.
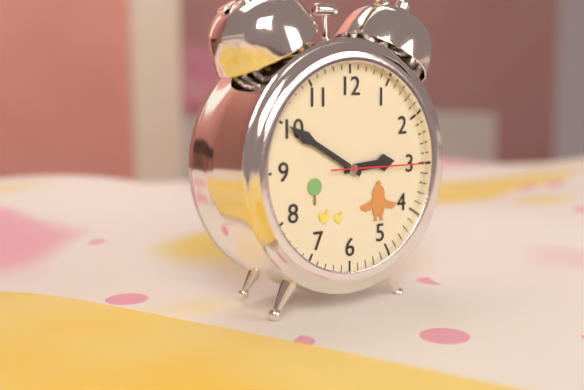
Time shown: 2:50:15
